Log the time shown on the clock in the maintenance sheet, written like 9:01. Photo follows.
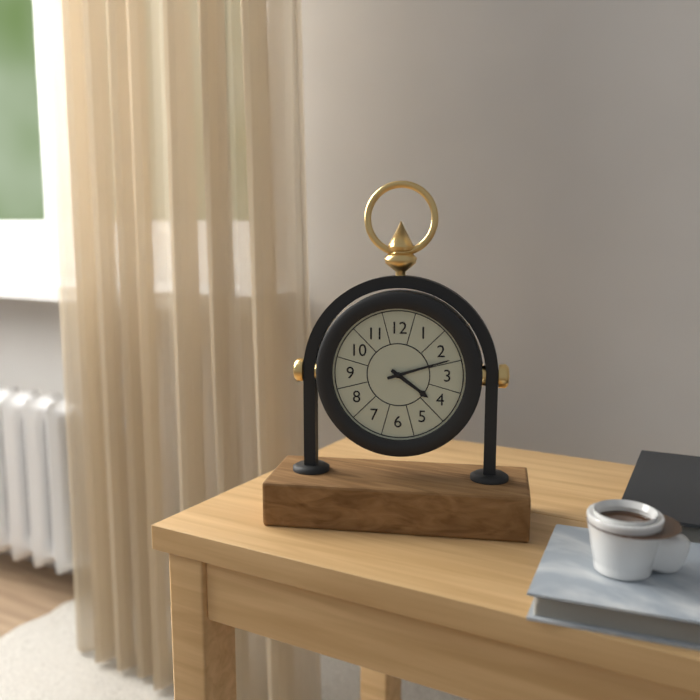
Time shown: 4:12
